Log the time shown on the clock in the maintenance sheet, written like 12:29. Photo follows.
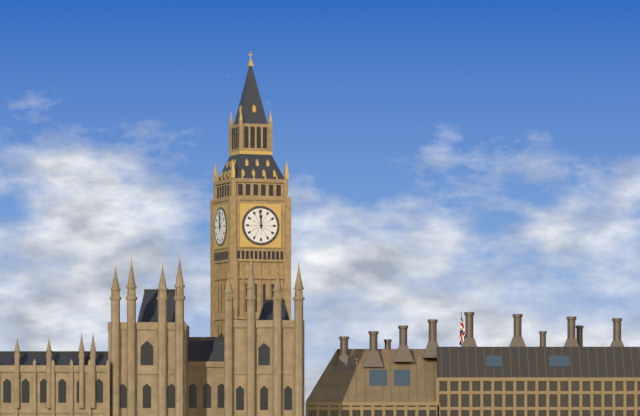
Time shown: 11:59
